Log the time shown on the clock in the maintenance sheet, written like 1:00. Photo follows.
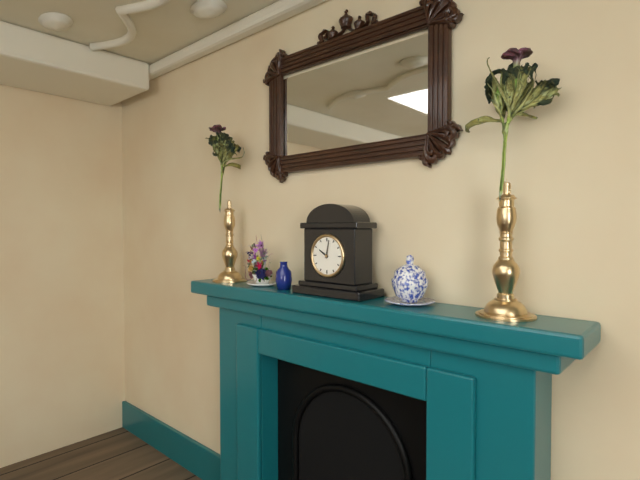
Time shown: 10:02
